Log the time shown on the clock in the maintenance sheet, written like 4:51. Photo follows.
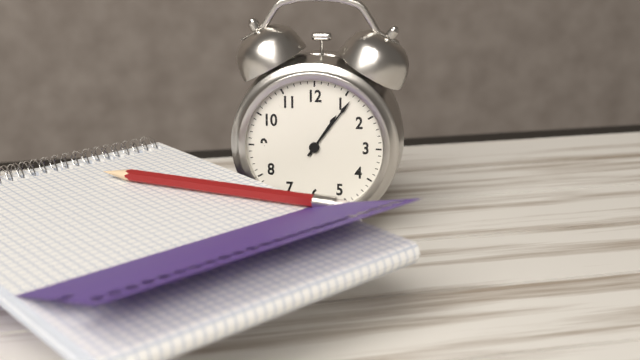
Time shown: 1:06
